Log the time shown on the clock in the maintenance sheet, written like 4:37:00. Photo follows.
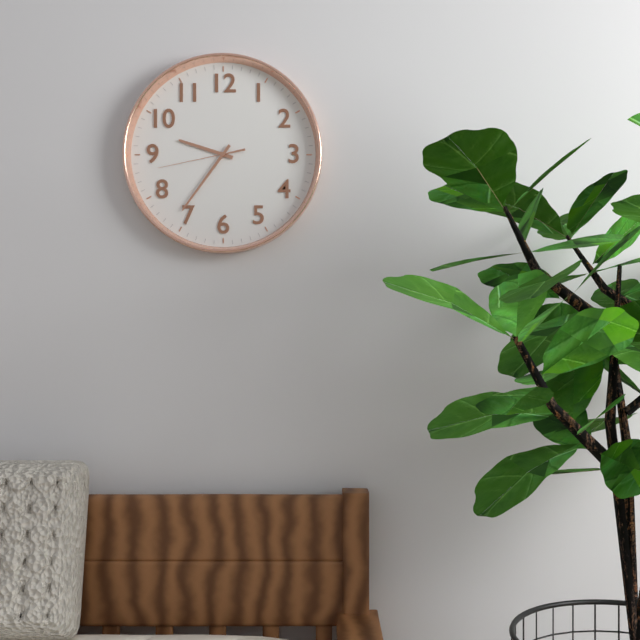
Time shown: 9:36:43
